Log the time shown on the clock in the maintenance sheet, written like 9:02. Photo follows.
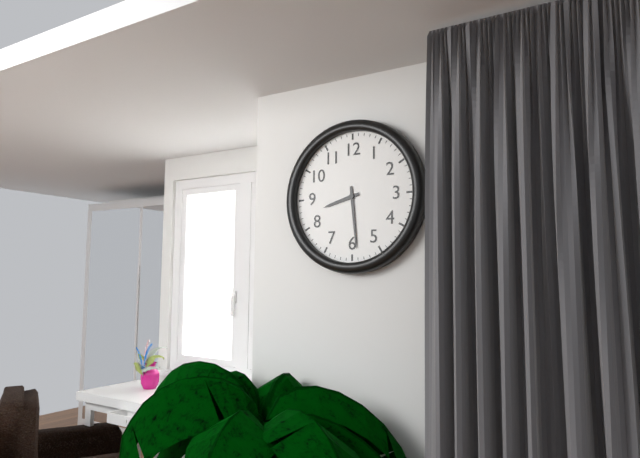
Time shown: 8:29
